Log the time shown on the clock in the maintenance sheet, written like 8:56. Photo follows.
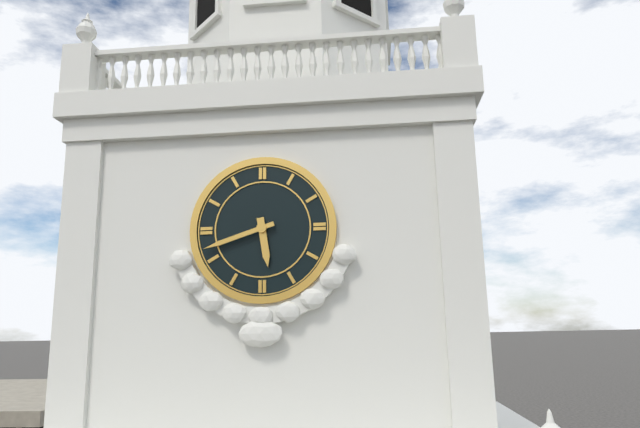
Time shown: 5:42
